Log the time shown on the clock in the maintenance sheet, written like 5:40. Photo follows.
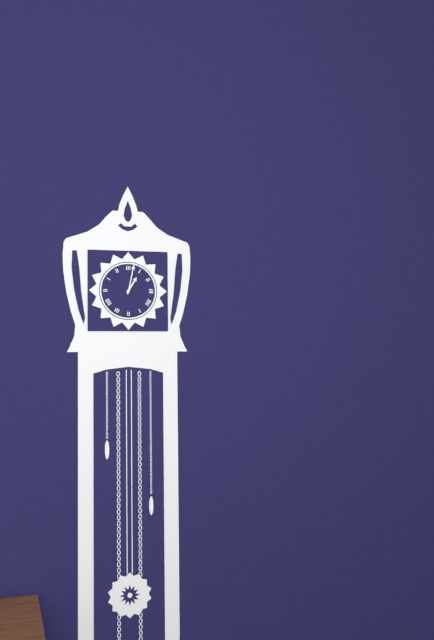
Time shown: 1:02
